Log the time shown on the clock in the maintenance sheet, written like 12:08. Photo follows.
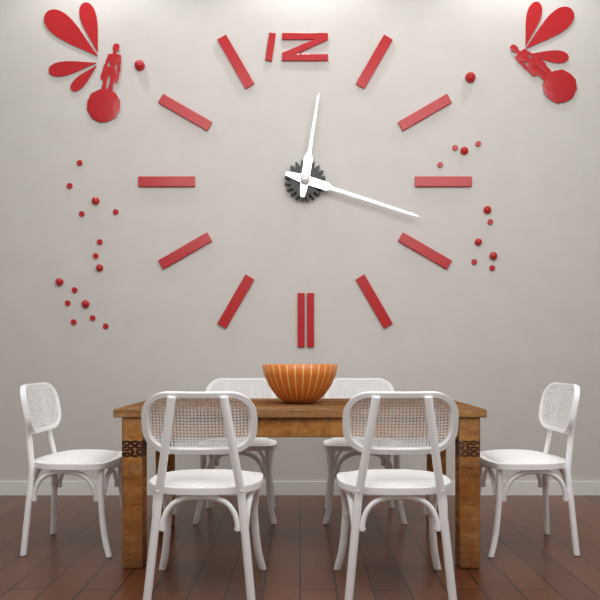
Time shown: 12:18
